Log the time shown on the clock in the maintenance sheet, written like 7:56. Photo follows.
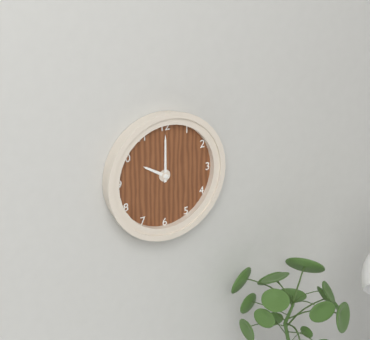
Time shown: 10:00
